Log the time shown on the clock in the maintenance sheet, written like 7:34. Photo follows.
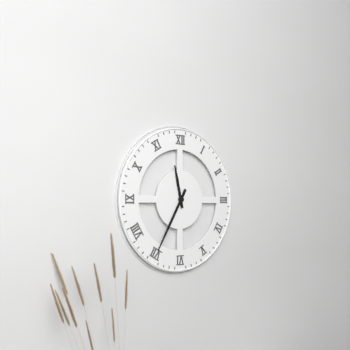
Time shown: 11:35
